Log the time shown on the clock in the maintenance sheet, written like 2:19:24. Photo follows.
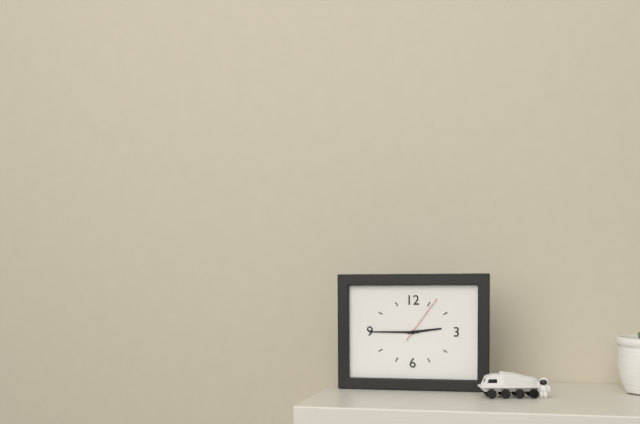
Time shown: 2:45:06
